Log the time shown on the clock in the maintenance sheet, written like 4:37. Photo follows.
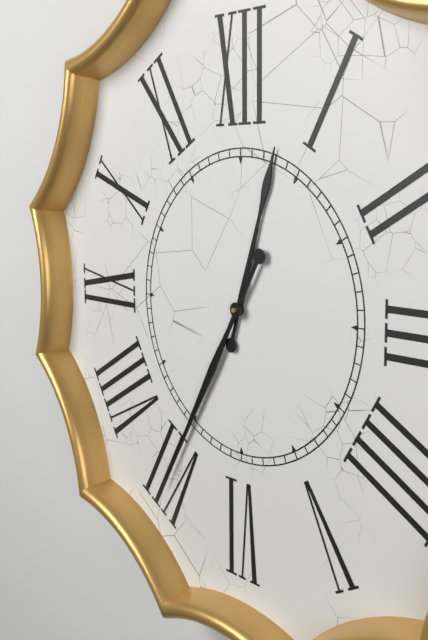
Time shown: 12:35
